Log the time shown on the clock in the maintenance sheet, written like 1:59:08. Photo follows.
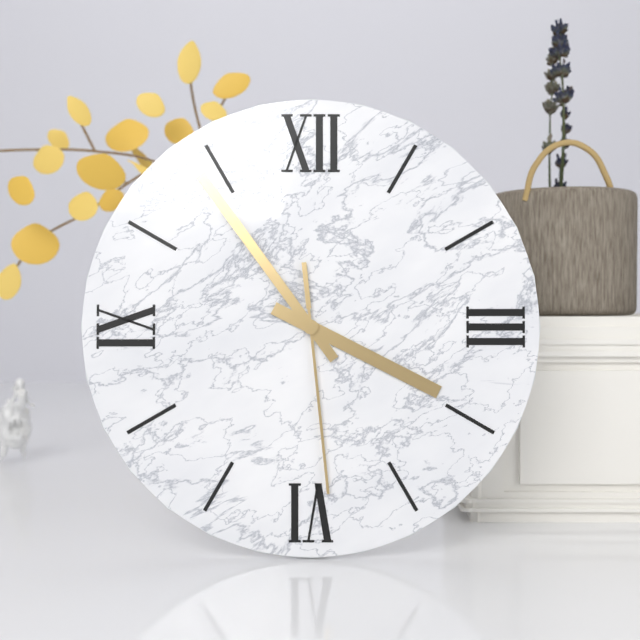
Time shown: 3:54:29
